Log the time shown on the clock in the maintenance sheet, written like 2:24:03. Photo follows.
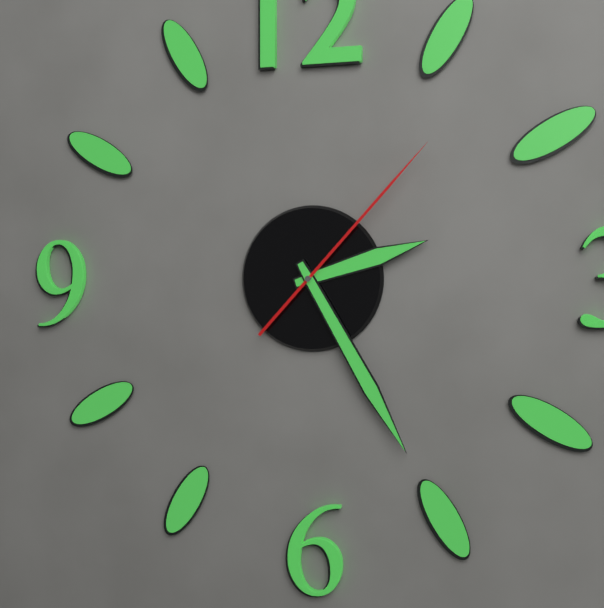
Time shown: 2:25:07
